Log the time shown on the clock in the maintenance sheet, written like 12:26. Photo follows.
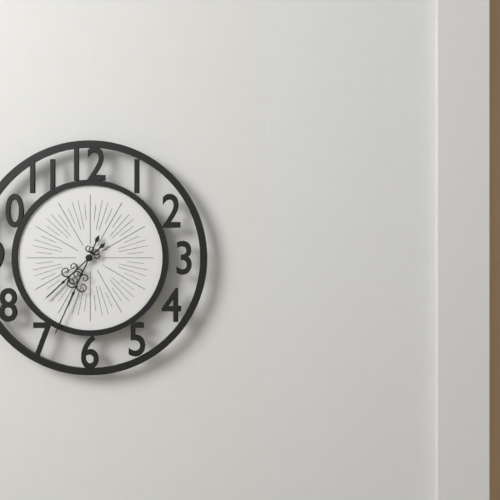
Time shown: 7:34
